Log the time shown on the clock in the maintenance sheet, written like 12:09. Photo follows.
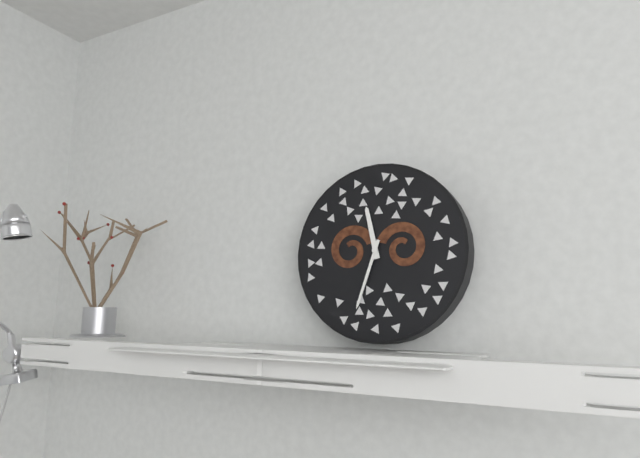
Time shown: 11:33
